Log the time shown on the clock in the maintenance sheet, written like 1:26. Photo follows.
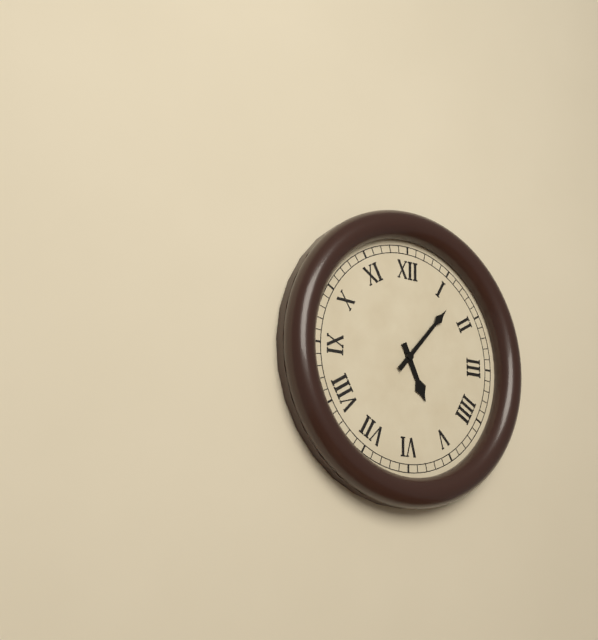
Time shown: 5:07
